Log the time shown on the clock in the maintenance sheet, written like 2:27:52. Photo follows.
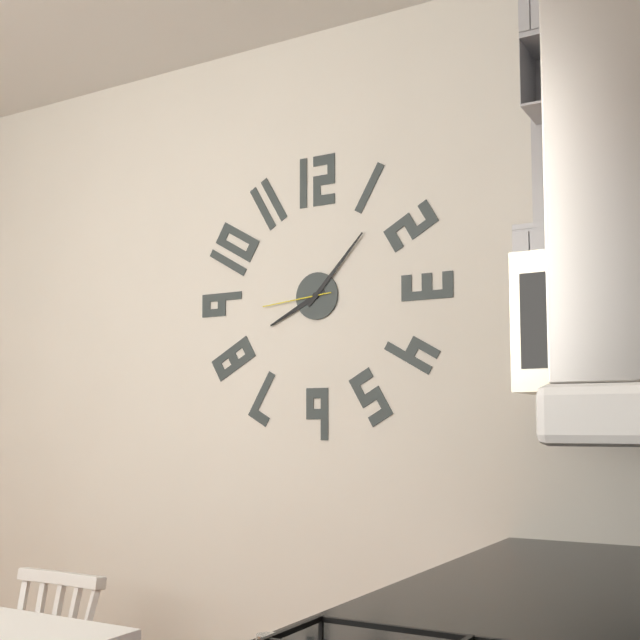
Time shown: 8:07:44
